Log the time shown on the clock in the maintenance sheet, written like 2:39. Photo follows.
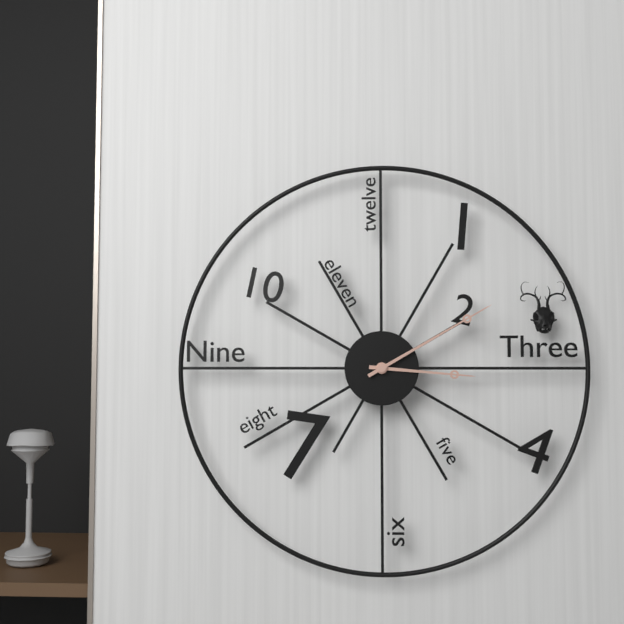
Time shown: 3:10
